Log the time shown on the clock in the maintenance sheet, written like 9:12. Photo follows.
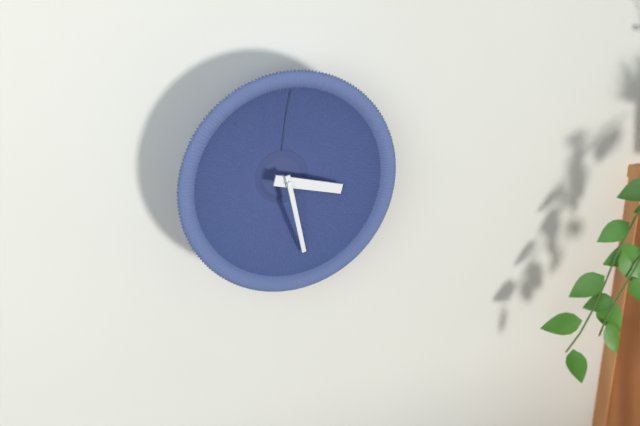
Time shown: 3:28
